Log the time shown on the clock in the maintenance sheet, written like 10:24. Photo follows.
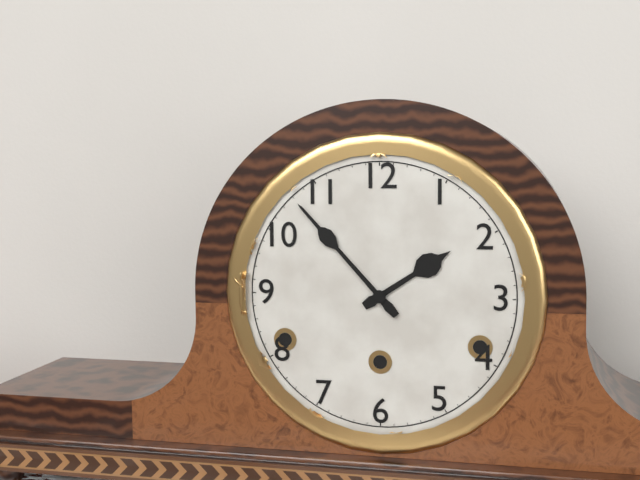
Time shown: 1:53
